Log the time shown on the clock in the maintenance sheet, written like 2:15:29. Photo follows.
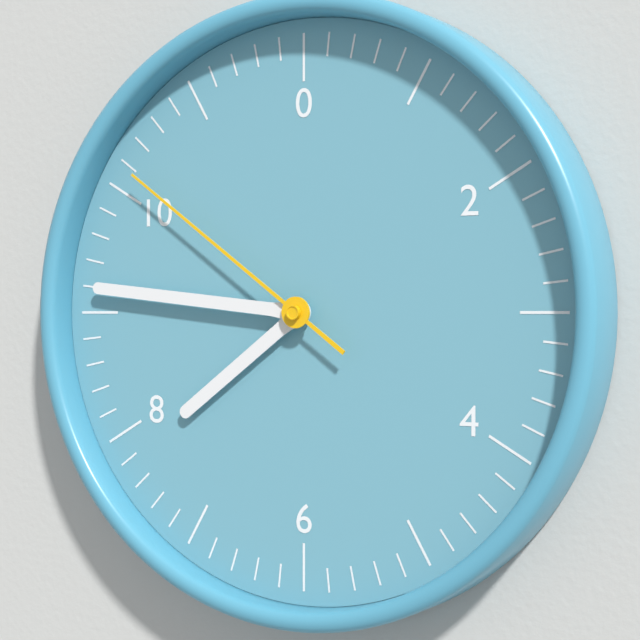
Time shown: 7:46:51
